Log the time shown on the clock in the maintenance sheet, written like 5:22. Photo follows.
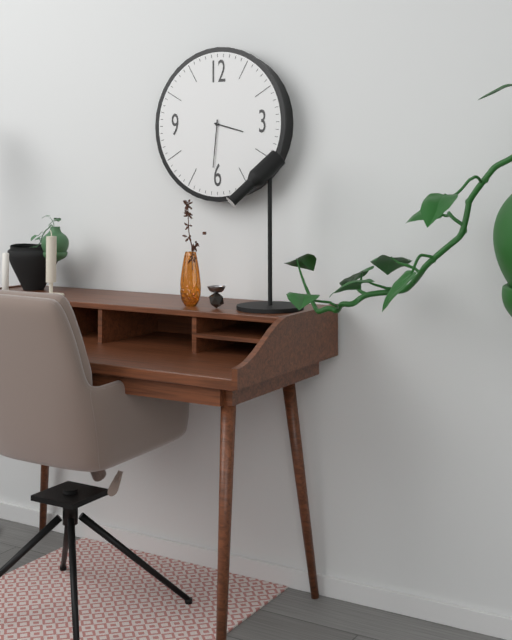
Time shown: 3:31
